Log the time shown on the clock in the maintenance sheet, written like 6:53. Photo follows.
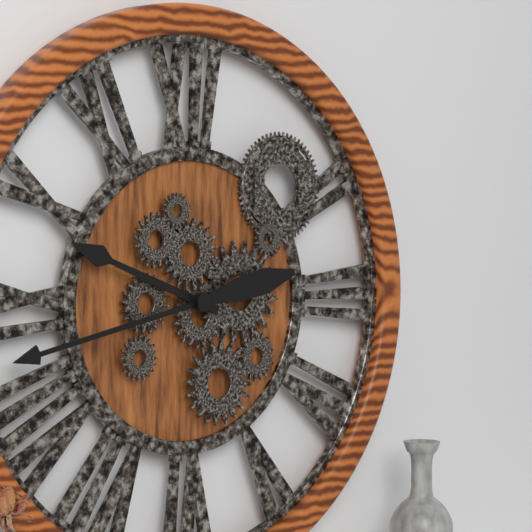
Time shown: 9:43
